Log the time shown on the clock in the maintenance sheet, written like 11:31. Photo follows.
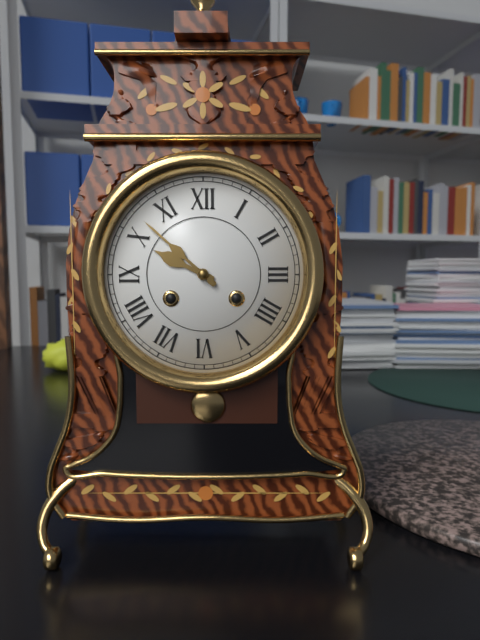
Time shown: 9:52
